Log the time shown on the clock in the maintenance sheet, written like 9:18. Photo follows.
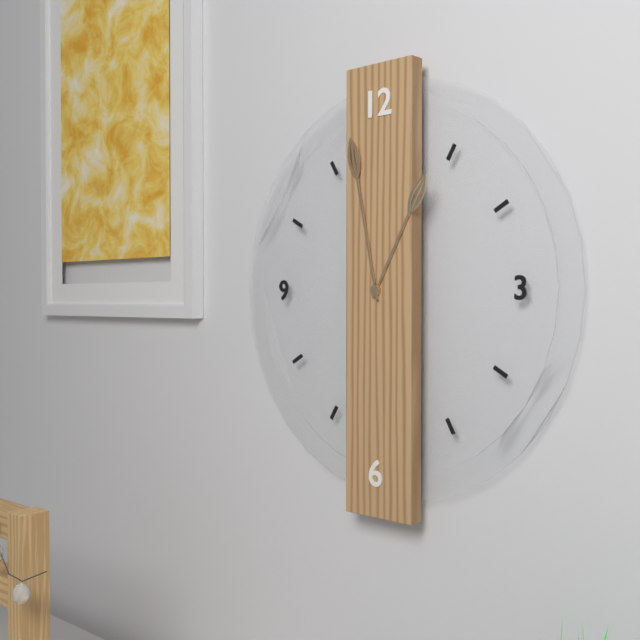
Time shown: 12:58
